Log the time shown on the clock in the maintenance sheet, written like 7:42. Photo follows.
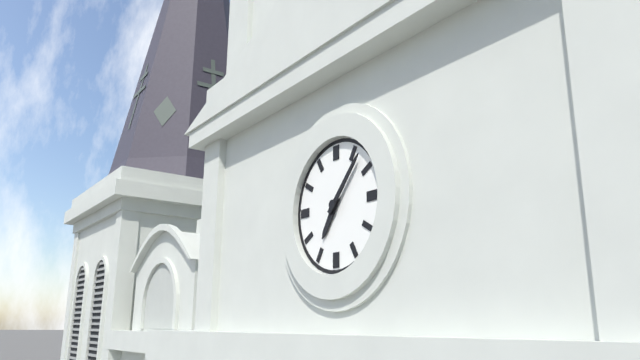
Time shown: 7:07
